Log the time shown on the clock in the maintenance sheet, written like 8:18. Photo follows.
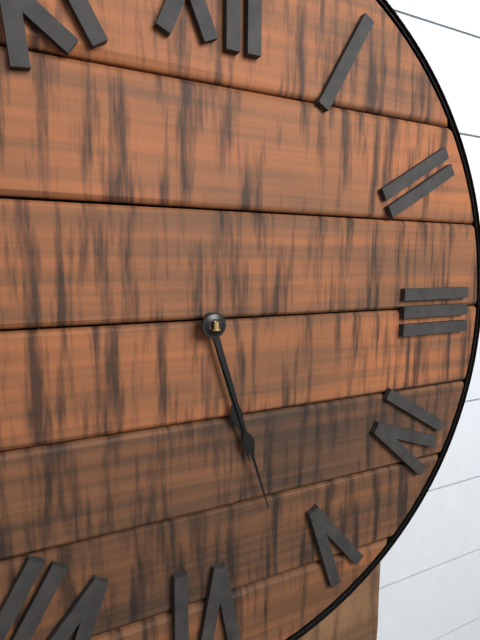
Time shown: 5:27
